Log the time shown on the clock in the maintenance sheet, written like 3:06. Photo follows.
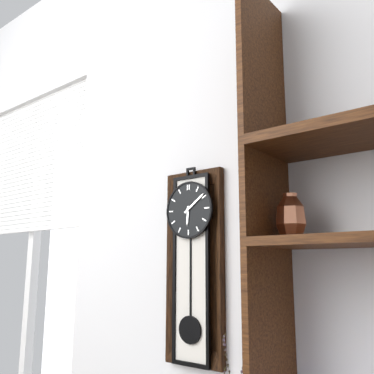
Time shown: 6:09
